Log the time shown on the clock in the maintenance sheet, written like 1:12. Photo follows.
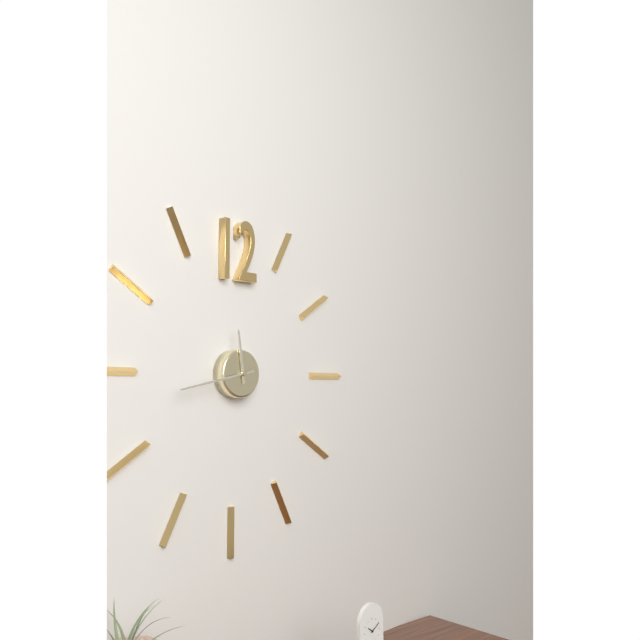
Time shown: 11:43
